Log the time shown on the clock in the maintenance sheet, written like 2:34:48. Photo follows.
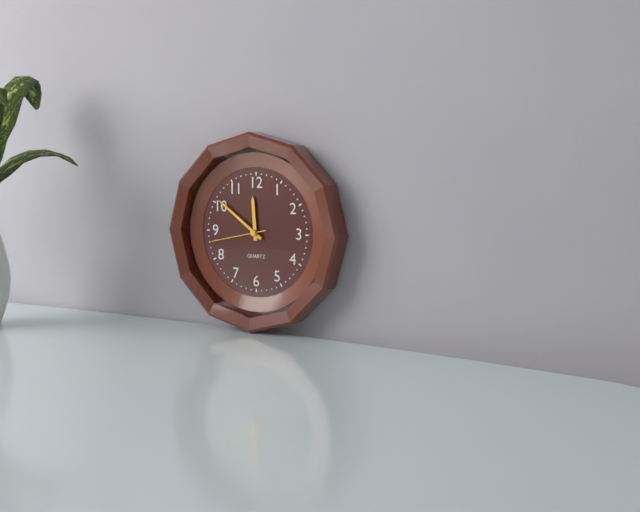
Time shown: 11:51:43
